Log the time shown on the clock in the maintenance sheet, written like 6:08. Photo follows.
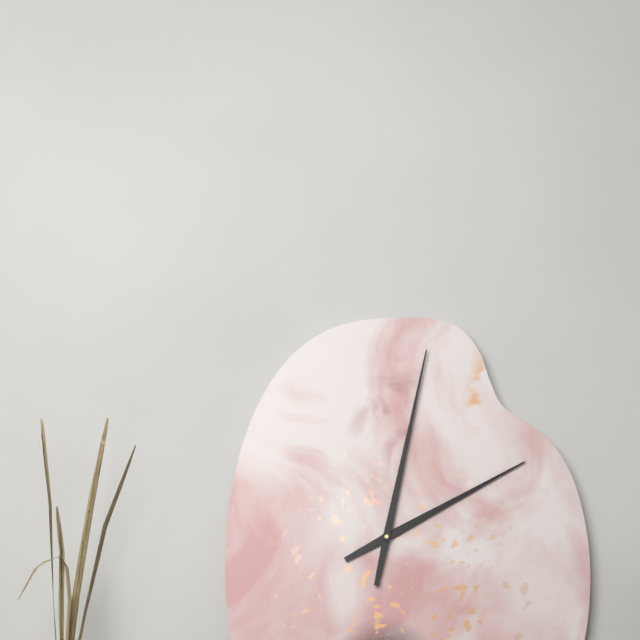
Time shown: 2:02
